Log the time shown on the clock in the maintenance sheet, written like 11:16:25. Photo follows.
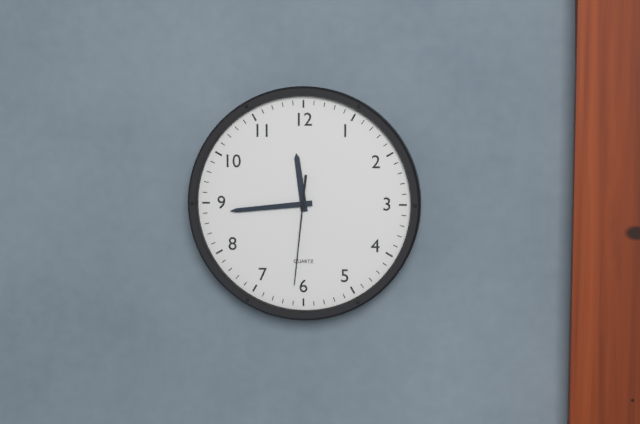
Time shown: 11:44:31
